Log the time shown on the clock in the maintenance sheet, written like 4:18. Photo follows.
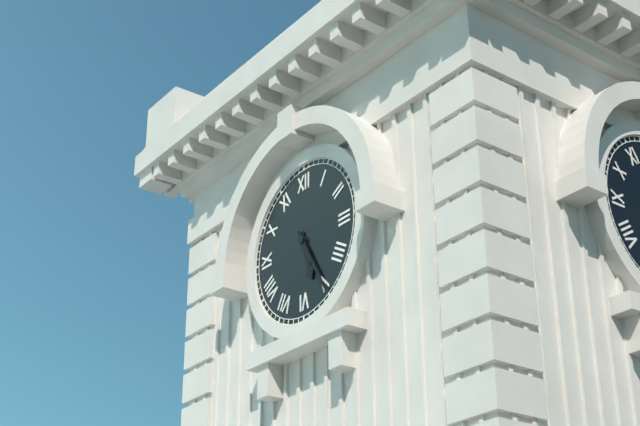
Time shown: 5:25
